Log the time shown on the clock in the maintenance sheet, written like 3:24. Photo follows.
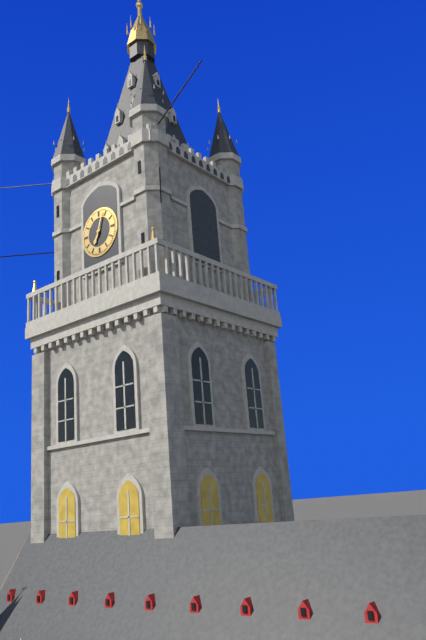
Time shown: 7:03
